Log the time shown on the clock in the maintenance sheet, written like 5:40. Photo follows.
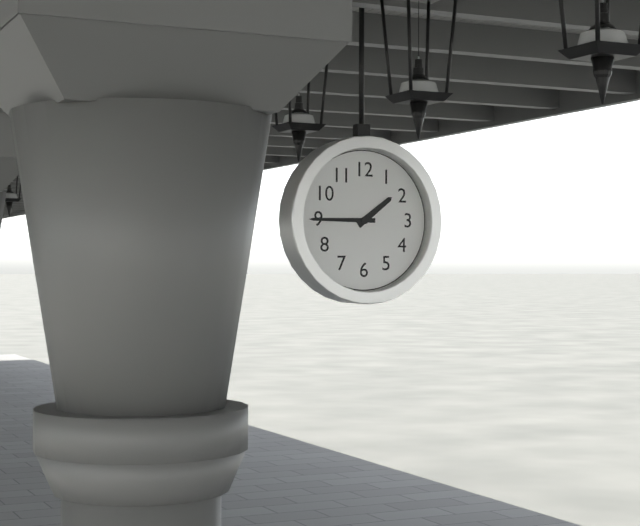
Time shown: 1:45
